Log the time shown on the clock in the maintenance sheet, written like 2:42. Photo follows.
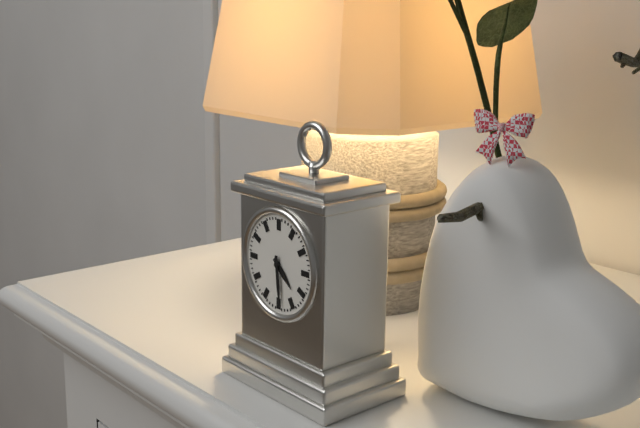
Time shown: 4:29
